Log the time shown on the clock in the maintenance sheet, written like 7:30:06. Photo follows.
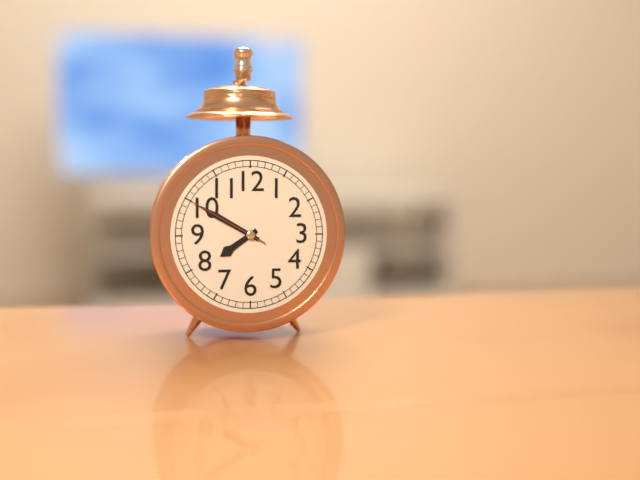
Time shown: 7:50:50
